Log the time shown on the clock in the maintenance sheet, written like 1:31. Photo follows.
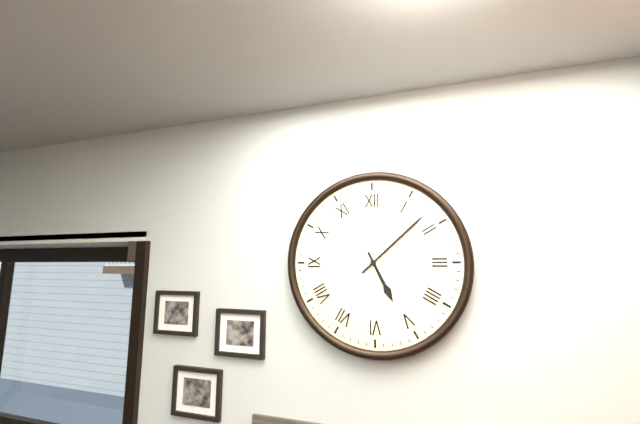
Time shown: 5:08
